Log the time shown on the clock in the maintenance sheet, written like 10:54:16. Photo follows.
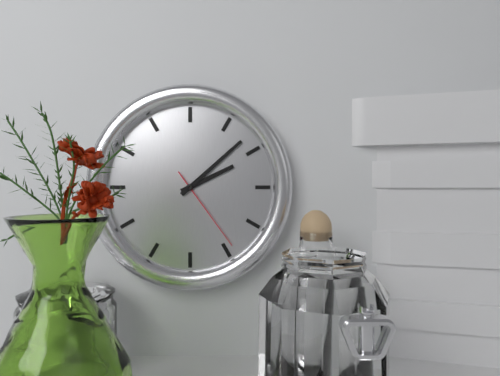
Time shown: 2:08:24
